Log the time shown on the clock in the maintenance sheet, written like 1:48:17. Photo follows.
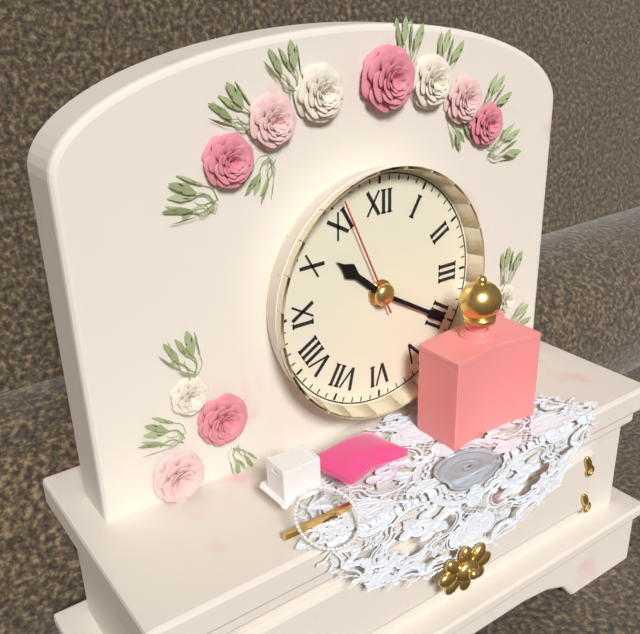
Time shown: 10:20:56
